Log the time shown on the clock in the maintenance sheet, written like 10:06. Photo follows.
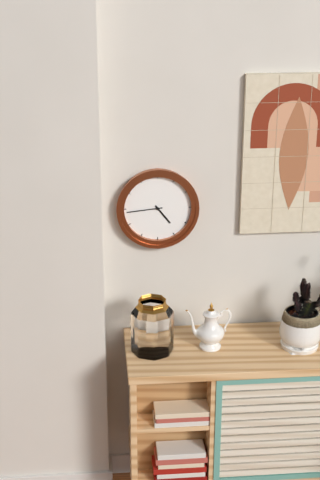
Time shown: 4:44
